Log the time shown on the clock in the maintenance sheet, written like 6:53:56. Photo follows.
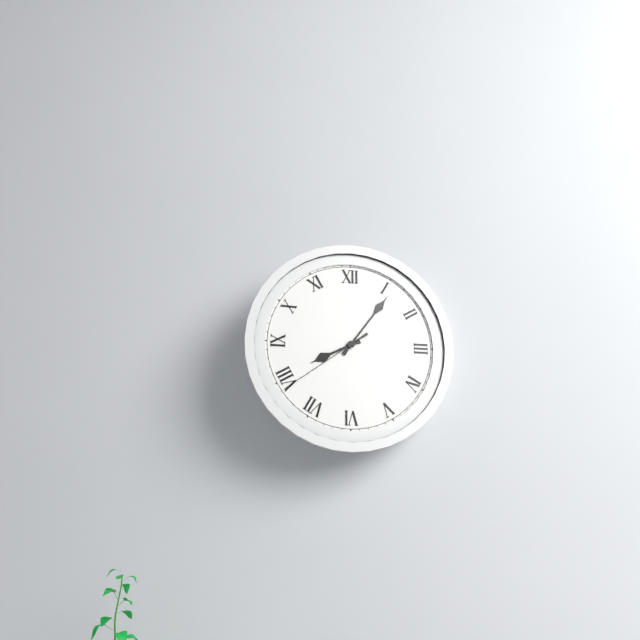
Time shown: 8:06:39
